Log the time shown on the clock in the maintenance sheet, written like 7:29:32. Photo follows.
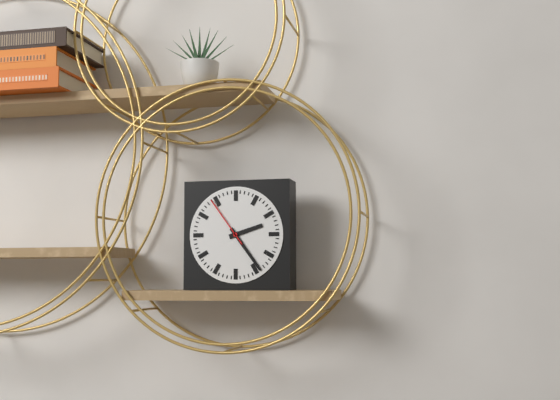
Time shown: 2:24:54
